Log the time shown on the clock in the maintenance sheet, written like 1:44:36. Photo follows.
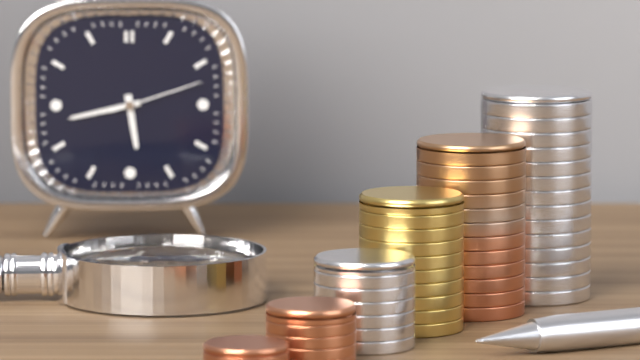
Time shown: 5:43:12
